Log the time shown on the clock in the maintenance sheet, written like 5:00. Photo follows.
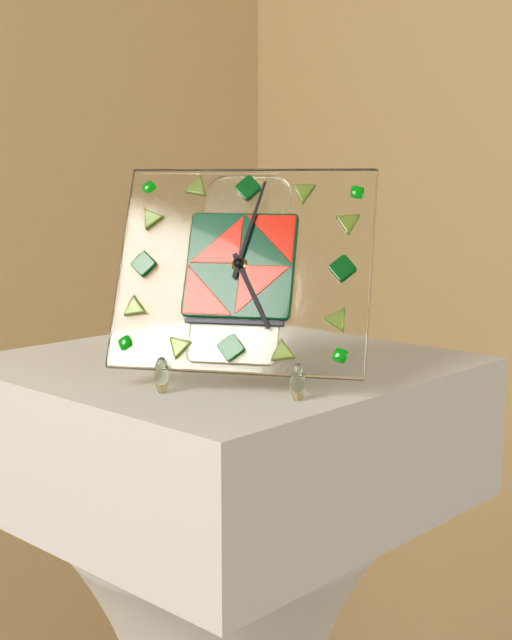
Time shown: 5:02
